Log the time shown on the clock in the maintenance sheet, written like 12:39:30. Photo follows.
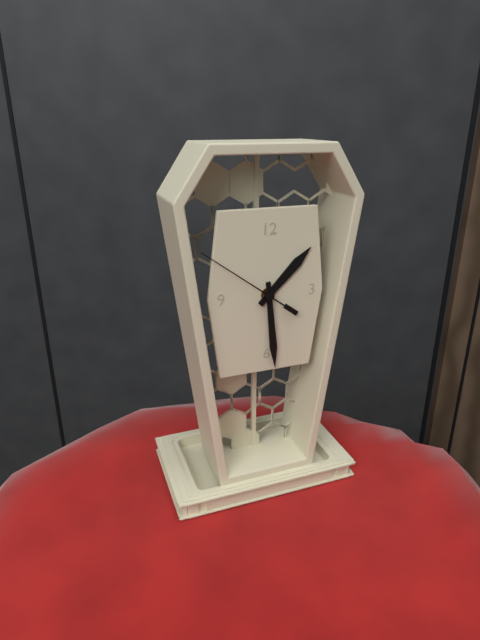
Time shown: 1:29:51
